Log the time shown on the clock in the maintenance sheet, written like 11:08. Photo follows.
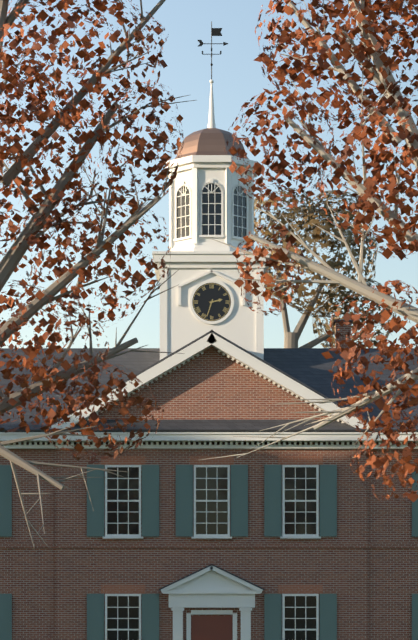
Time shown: 2:33
